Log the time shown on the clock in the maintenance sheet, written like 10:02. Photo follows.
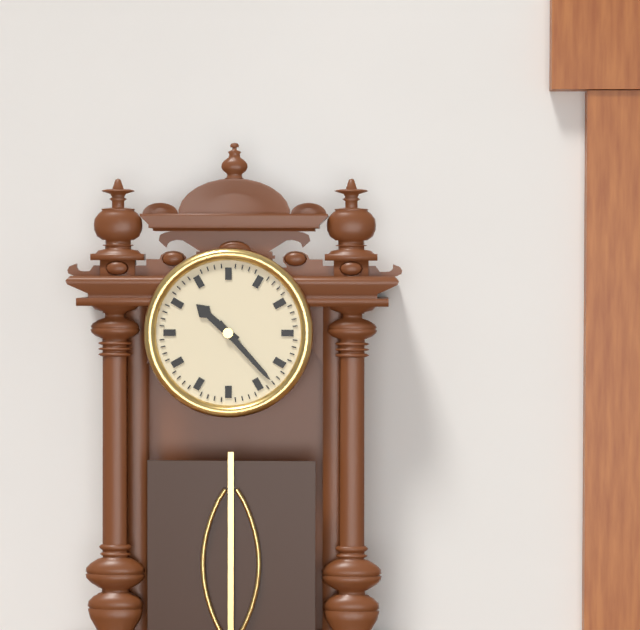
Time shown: 10:23
